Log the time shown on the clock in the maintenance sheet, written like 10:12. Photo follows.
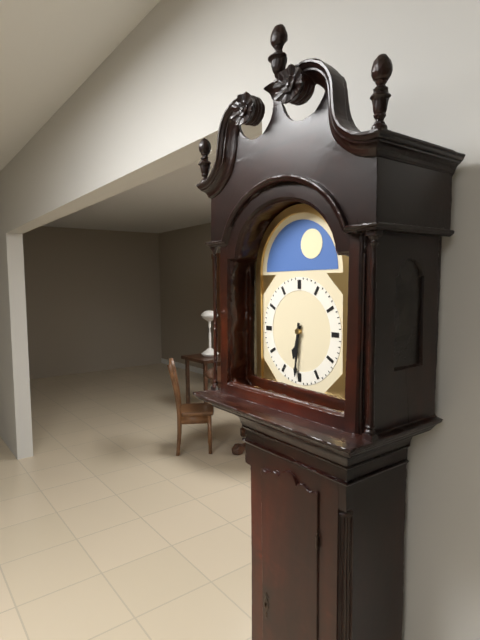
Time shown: 6:31
